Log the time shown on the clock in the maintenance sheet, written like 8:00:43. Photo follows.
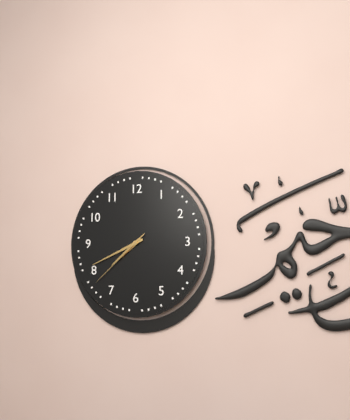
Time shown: 7:41:38
